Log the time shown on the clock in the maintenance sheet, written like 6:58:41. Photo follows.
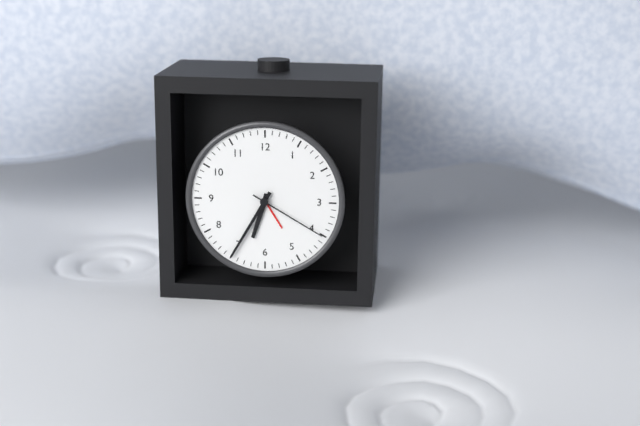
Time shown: 6:35:20
